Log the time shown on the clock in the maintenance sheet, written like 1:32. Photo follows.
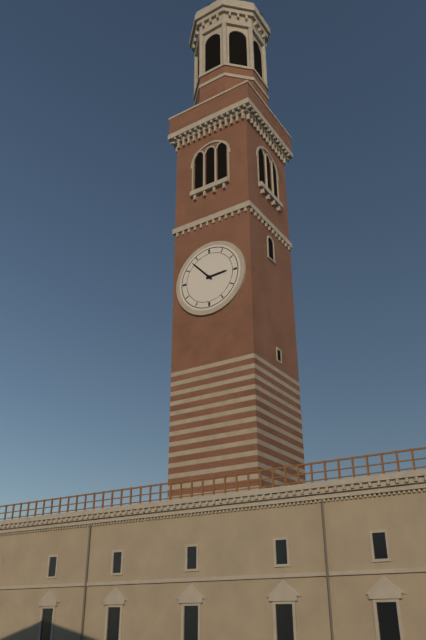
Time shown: 2:53
